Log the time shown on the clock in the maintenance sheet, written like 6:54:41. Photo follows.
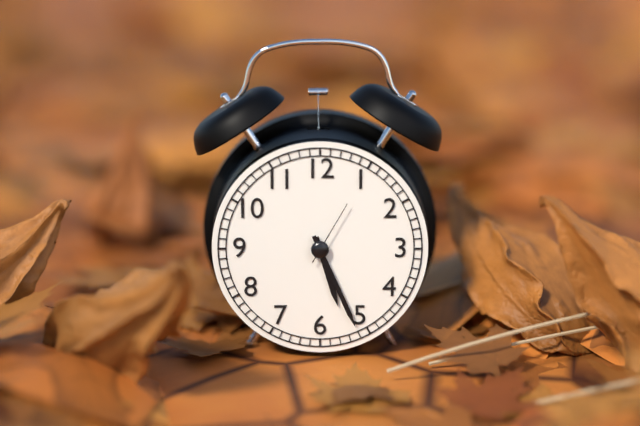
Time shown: 5:26:05
